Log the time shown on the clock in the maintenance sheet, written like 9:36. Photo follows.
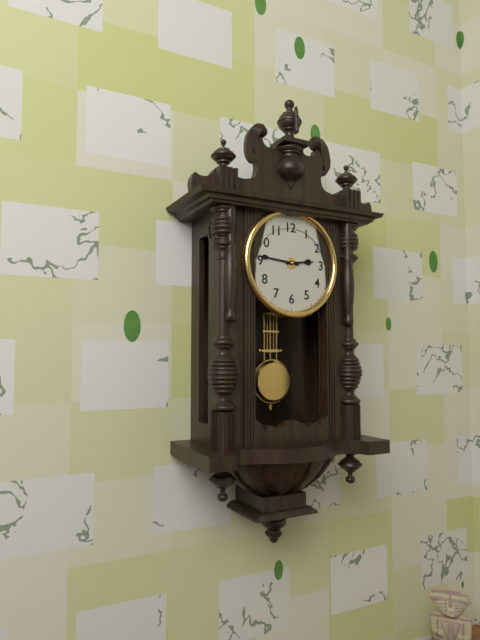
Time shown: 2:46
